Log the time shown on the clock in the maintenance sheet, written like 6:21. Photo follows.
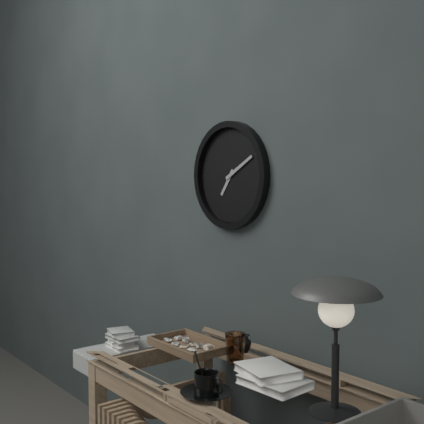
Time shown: 7:10
